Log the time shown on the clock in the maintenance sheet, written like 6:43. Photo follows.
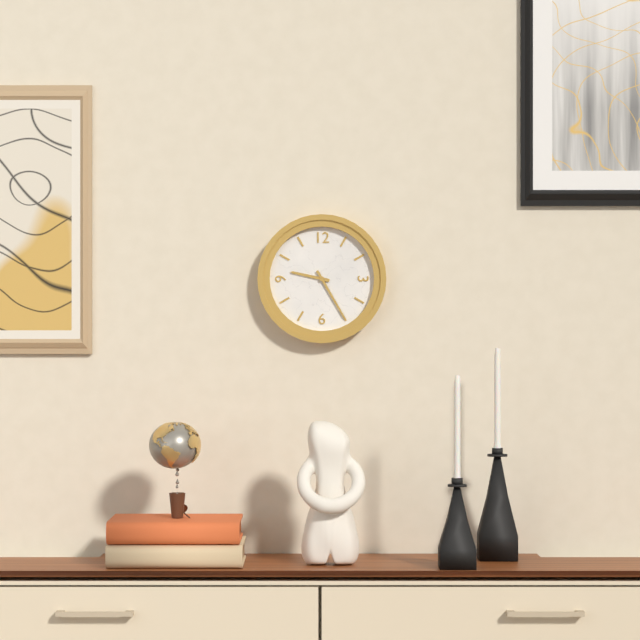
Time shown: 9:25
